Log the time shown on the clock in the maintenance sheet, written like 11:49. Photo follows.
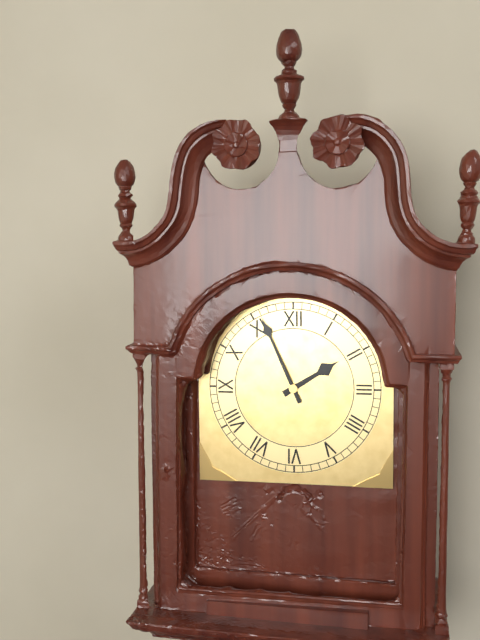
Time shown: 1:56
